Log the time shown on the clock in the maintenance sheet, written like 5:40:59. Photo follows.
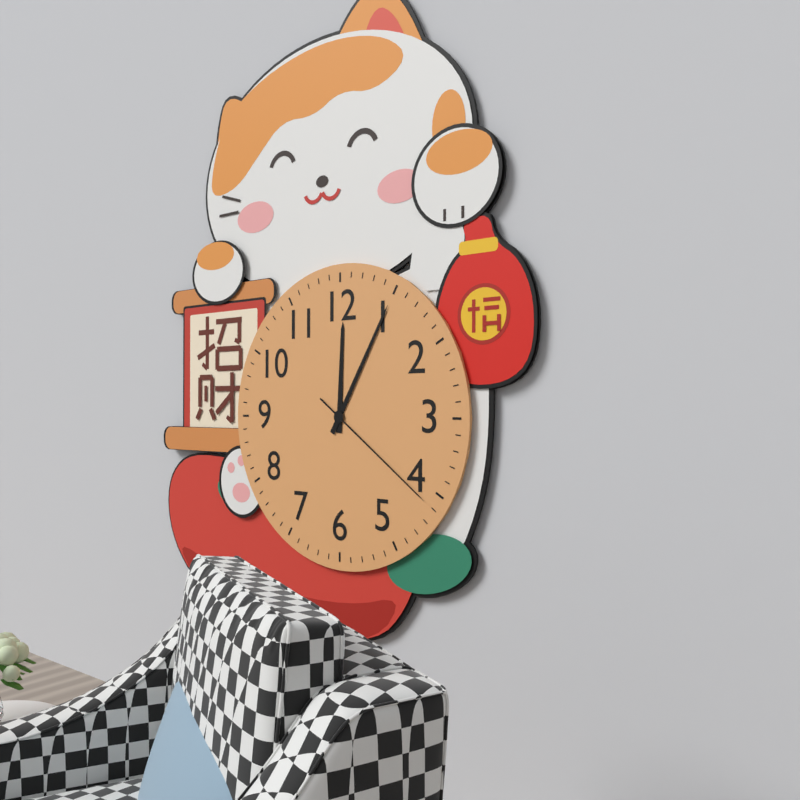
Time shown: 12:05:21
